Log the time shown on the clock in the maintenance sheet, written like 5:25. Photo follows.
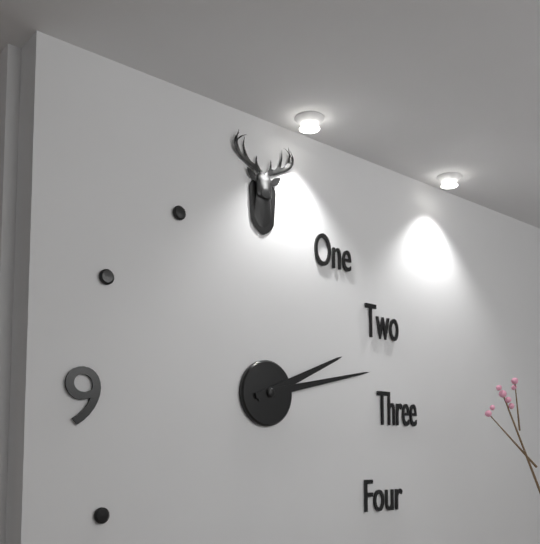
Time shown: 2:13
